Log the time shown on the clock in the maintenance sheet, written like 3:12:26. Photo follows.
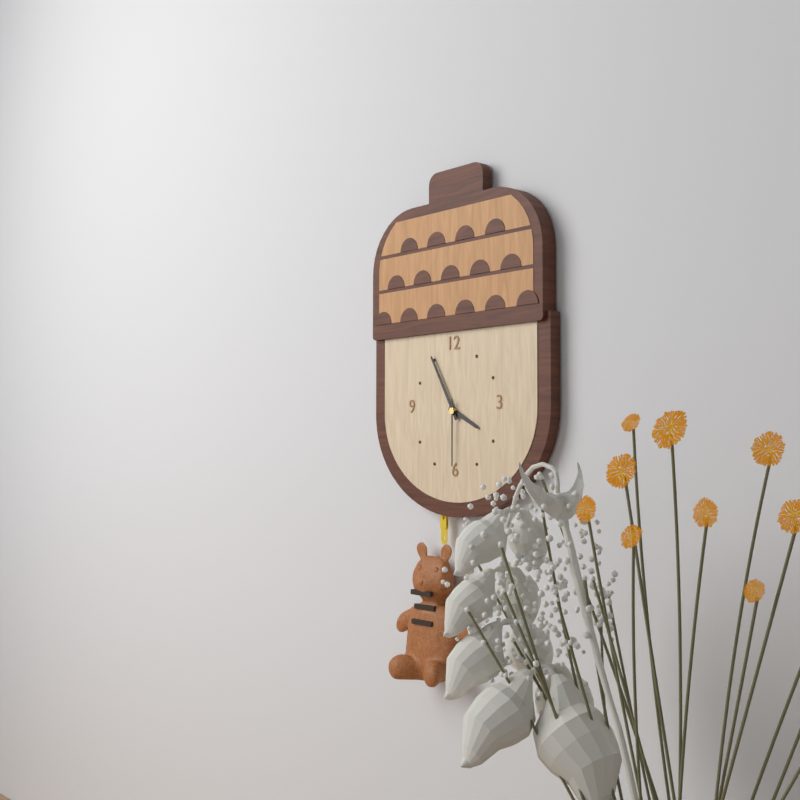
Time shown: 3:55:30
